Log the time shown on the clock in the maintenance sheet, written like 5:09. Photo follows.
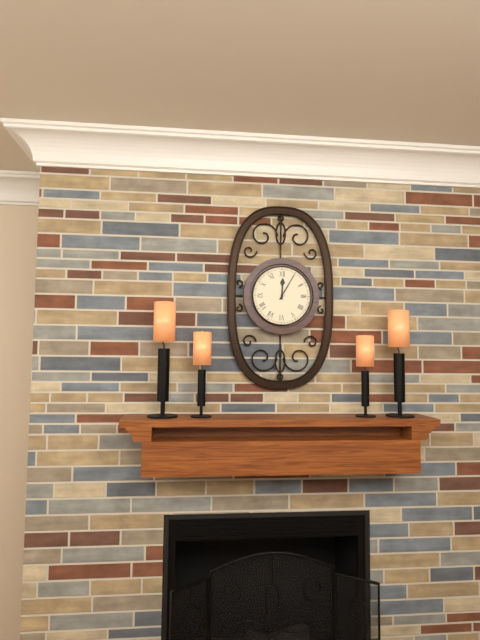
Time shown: 12:05
